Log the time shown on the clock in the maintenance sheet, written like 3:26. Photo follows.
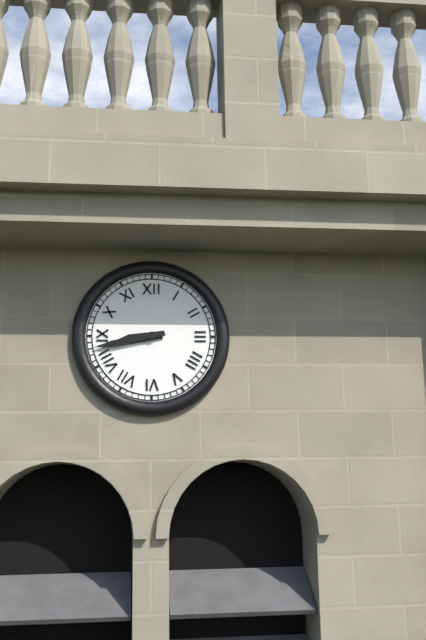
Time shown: 8:43
